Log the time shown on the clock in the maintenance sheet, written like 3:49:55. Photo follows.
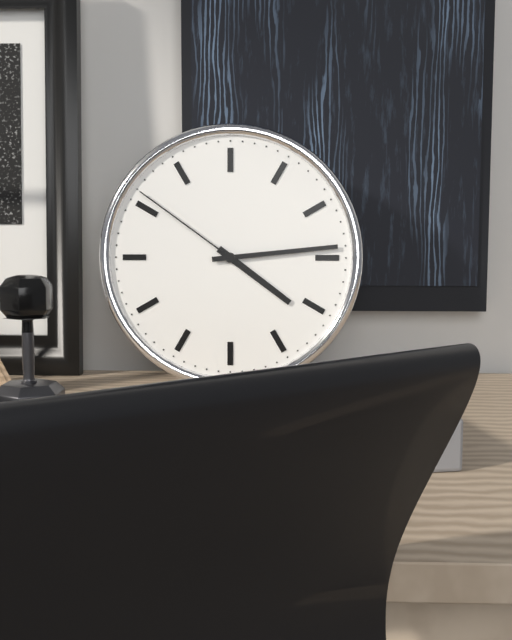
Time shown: 4:14:51
